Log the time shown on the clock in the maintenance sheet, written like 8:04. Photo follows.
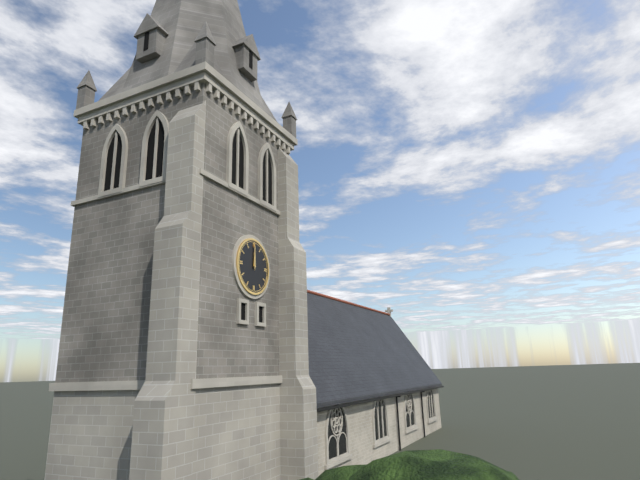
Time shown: 12:00
